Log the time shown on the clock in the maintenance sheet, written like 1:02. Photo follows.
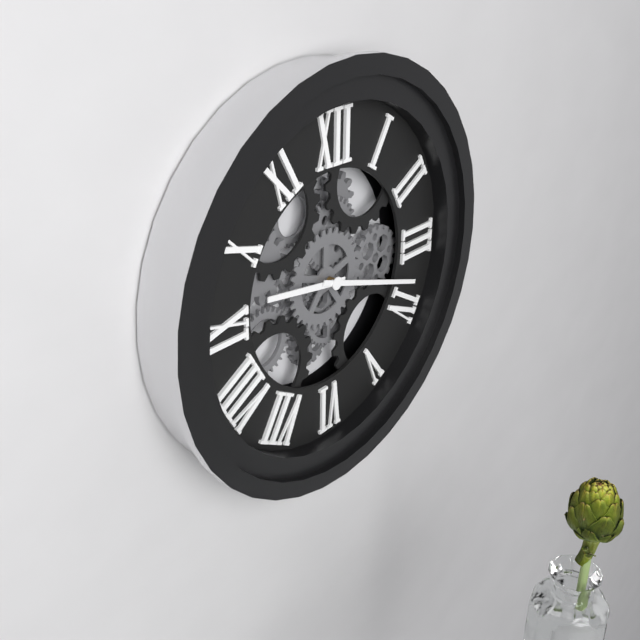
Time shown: 9:18
